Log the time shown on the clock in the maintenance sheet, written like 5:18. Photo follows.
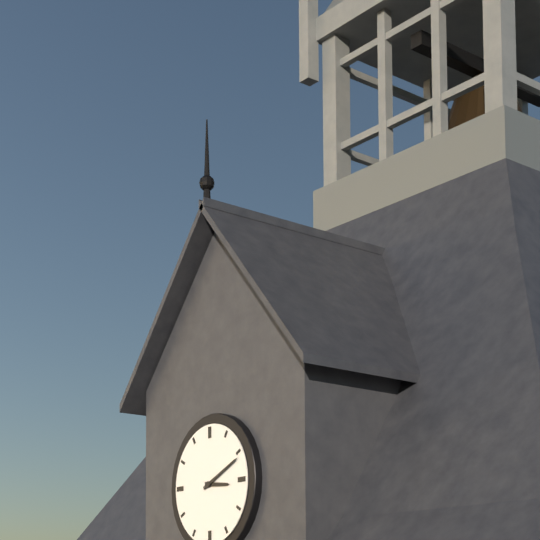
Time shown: 3:11
